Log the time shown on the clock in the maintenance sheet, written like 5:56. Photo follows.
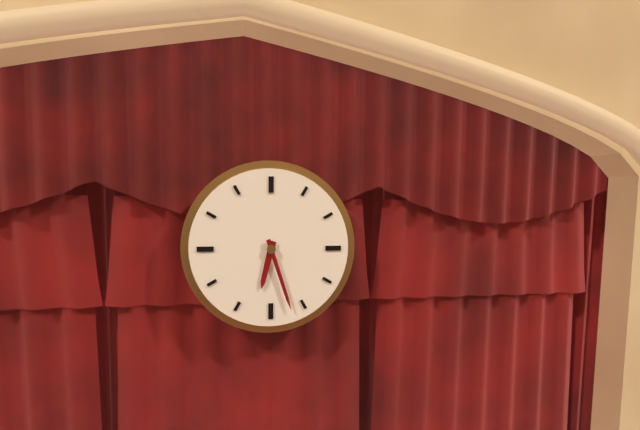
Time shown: 6:27
